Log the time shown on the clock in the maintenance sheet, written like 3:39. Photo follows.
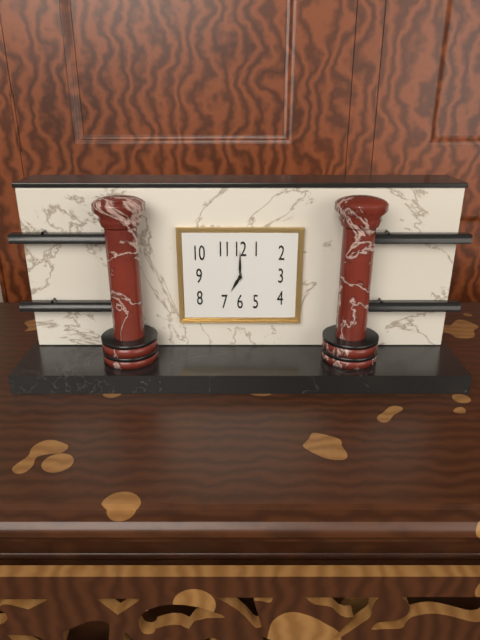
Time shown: 7:00
